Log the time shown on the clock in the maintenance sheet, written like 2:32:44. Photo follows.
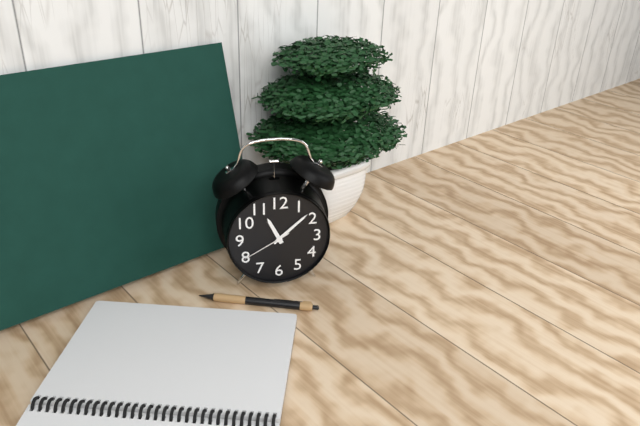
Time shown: 11:08:40
